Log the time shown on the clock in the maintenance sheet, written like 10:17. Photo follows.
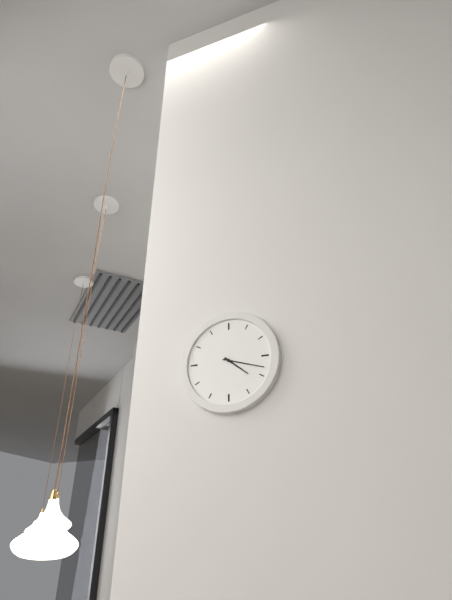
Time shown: 4:18
